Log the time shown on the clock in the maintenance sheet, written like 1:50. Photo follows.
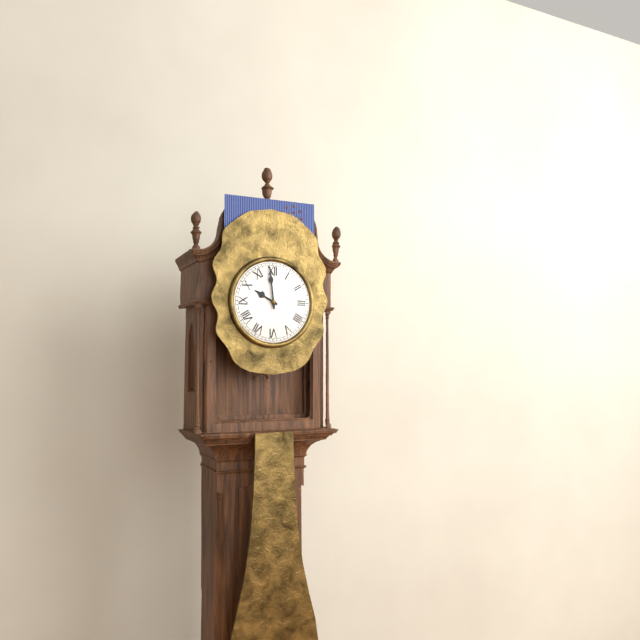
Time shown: 9:59
